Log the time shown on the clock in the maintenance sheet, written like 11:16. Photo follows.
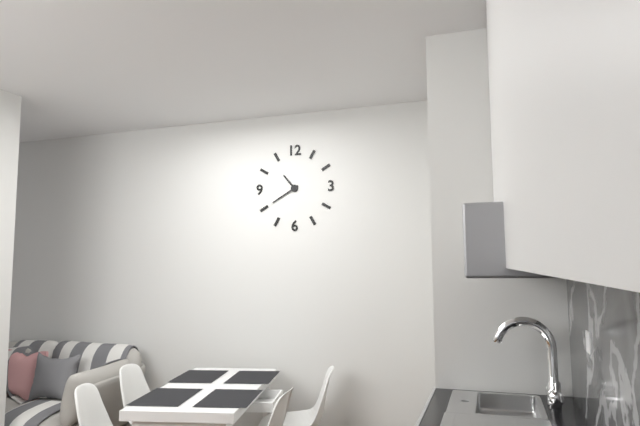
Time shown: 10:40
